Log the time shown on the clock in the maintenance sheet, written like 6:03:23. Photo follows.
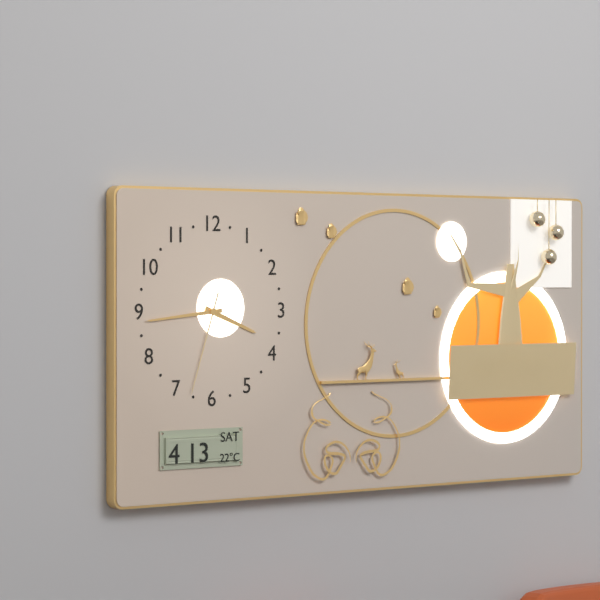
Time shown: 3:44:33
